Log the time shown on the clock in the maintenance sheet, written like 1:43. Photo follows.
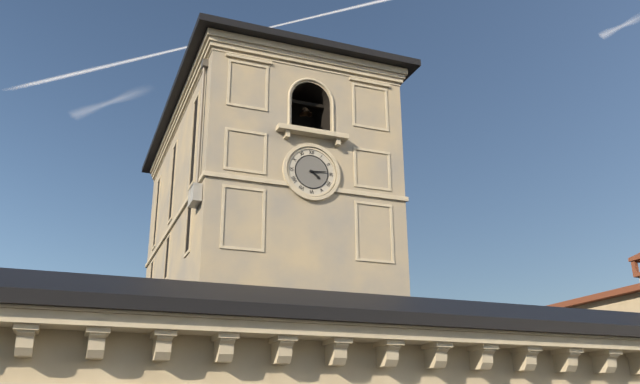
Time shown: 4:14
